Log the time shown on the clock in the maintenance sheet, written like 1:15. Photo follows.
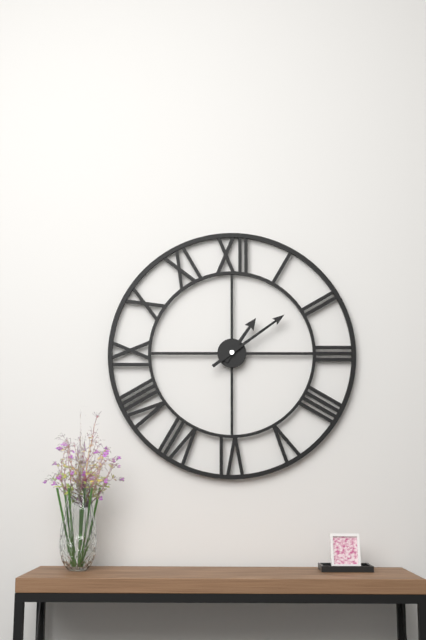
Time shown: 1:09
